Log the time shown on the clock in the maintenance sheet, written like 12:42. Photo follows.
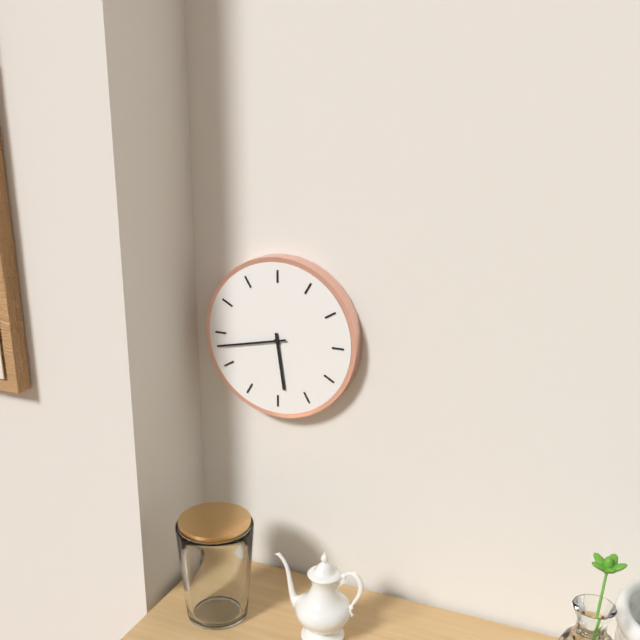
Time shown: 5:43
